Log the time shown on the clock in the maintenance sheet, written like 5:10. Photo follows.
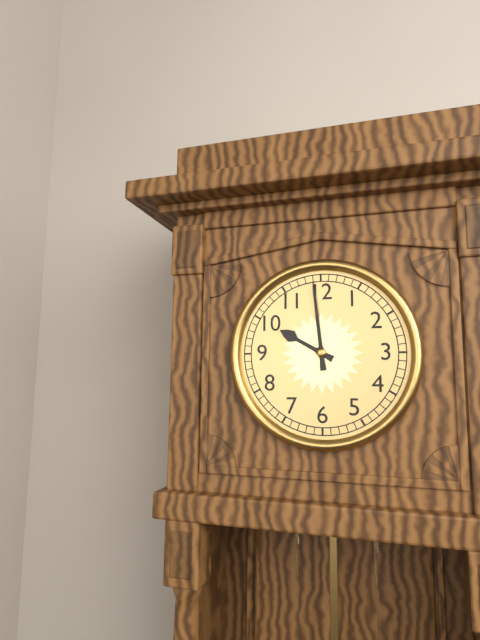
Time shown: 9:59
